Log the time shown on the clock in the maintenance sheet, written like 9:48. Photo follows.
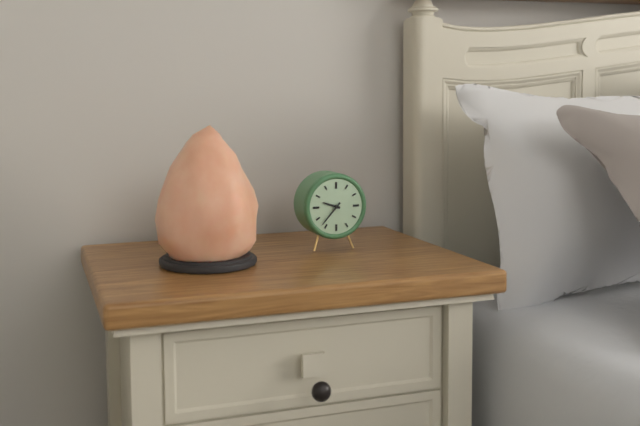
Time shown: 9:37
